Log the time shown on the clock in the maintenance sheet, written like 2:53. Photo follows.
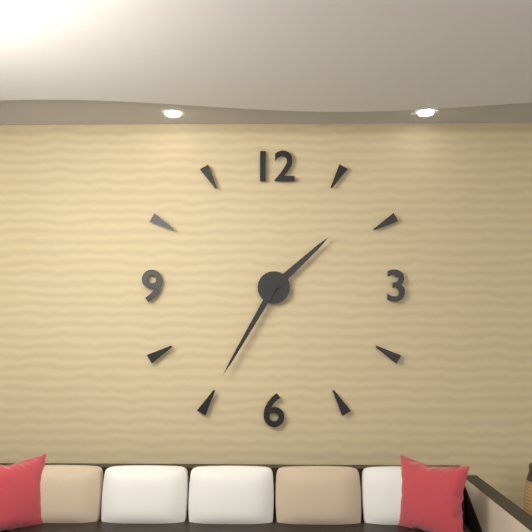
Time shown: 1:35
